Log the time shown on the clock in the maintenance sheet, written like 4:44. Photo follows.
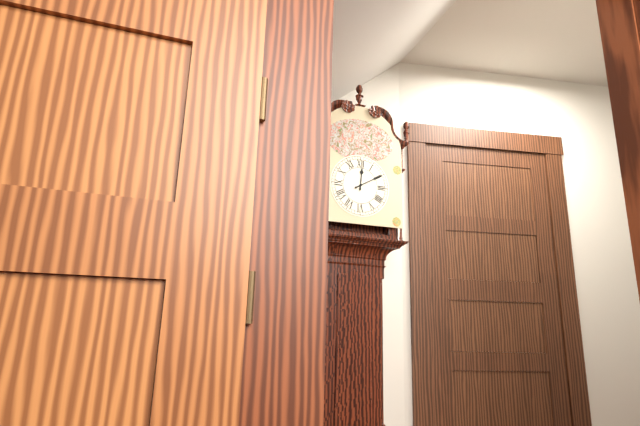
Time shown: 12:10
